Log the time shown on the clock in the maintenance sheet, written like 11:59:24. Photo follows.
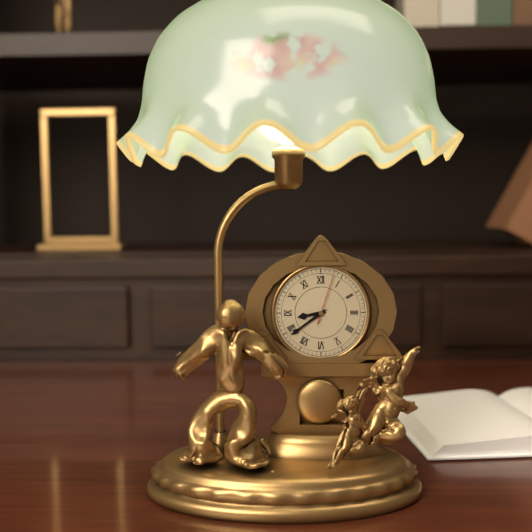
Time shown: 8:39:03
